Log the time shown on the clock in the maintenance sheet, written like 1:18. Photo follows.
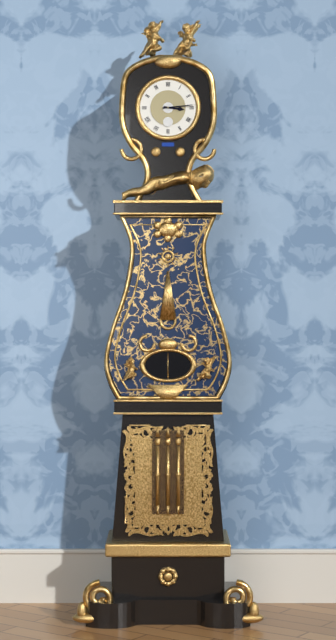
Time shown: 3:14
